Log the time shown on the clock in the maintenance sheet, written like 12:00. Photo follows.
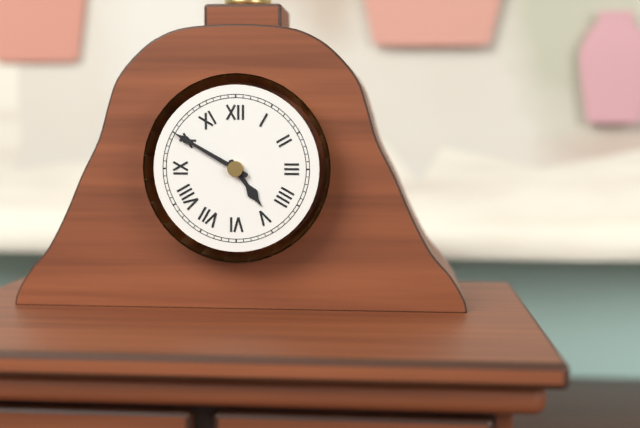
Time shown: 4:50
